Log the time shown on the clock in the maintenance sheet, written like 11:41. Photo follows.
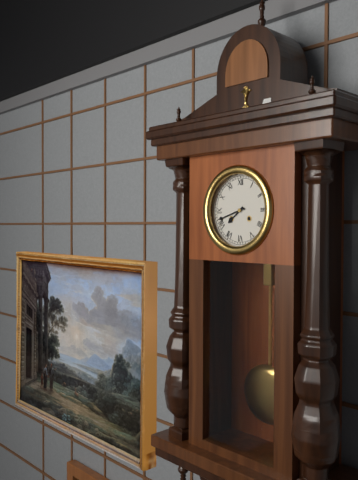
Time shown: 7:42
